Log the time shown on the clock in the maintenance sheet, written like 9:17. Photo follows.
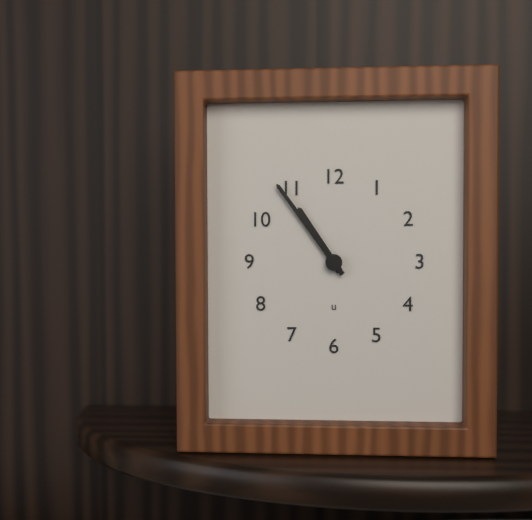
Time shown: 10:54
